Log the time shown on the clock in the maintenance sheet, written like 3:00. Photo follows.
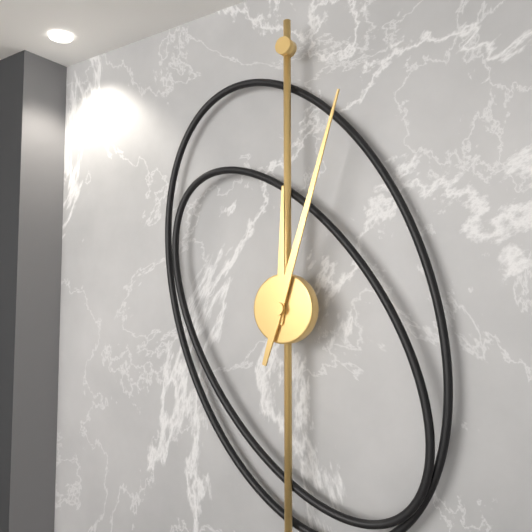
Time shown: 12:03
